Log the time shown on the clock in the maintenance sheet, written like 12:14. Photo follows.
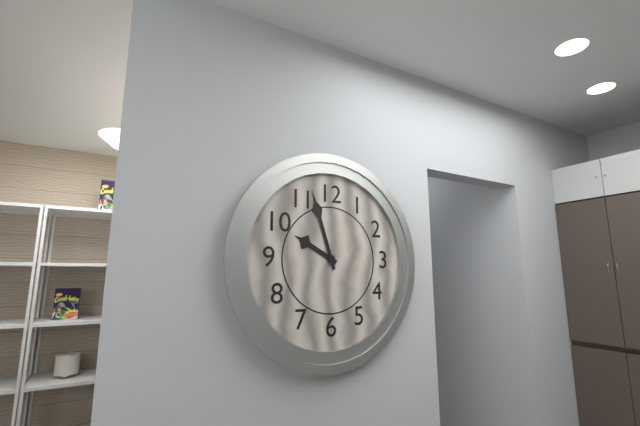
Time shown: 9:57
